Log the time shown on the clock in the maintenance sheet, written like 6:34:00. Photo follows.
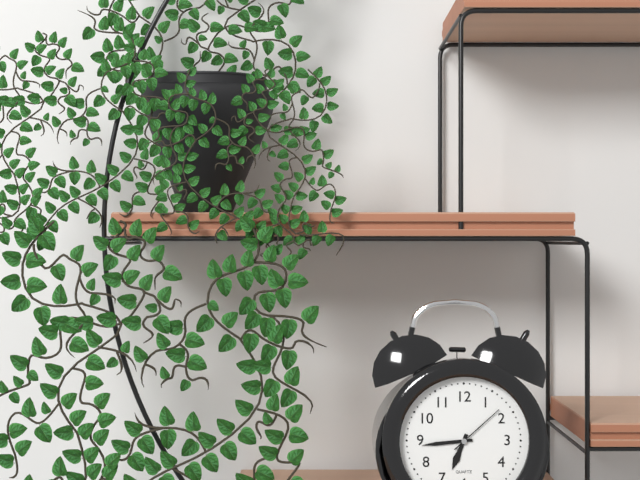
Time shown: 6:44:08
